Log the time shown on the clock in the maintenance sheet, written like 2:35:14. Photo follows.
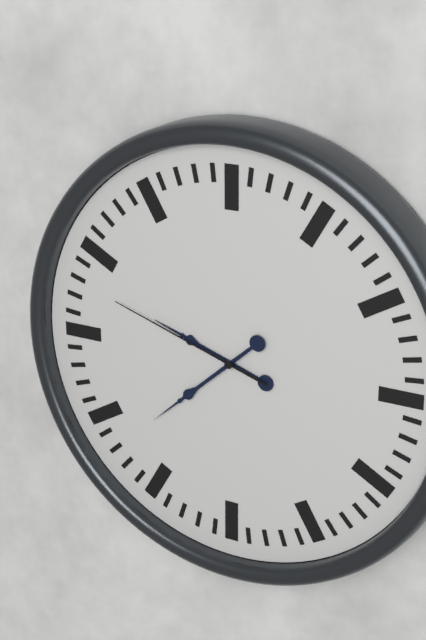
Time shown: 9:38:48
